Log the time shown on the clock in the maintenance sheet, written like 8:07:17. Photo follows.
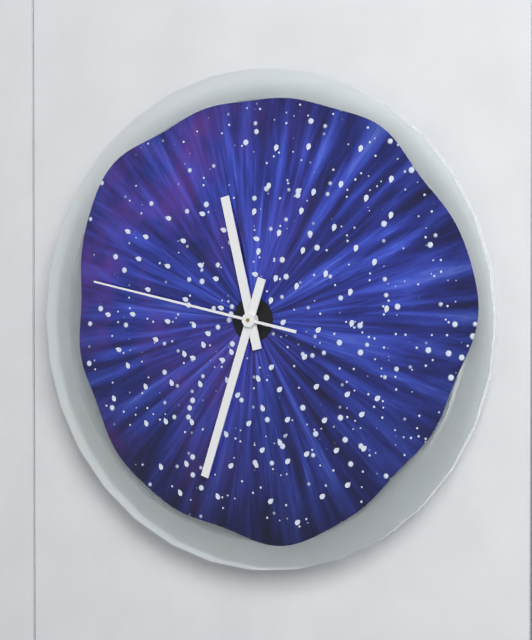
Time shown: 11:33:47
